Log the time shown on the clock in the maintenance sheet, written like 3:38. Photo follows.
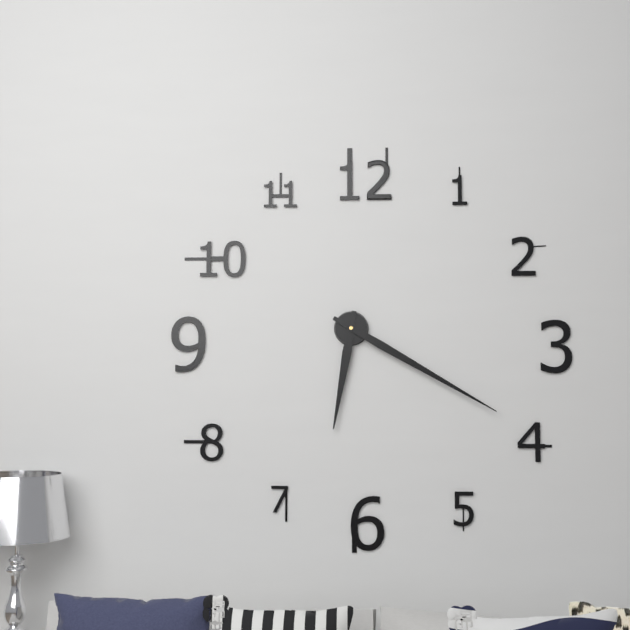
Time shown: 6:20
